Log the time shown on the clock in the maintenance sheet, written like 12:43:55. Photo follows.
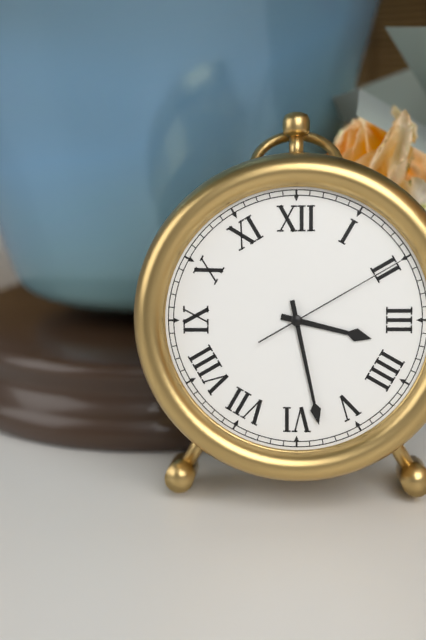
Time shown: 3:28:10
